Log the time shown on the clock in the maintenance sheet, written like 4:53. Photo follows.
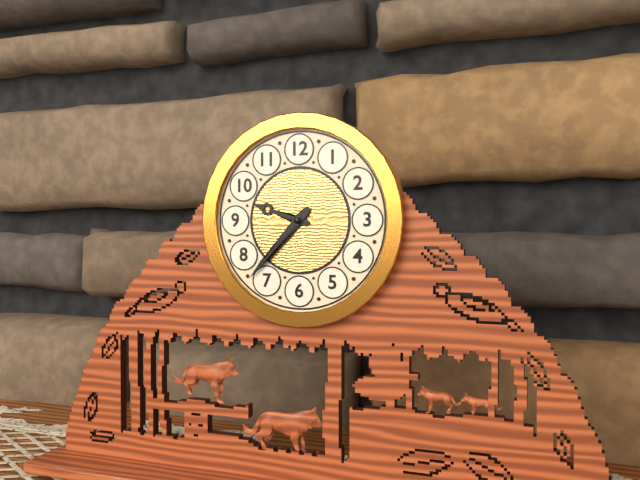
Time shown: 9:37
